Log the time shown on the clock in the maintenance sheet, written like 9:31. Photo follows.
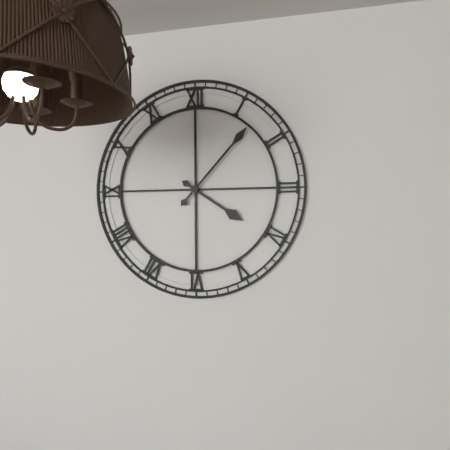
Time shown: 4:07
